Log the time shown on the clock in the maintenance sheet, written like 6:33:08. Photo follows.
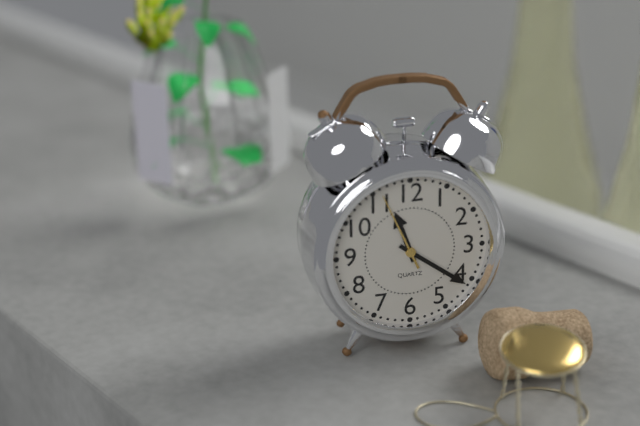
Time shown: 11:21:56
